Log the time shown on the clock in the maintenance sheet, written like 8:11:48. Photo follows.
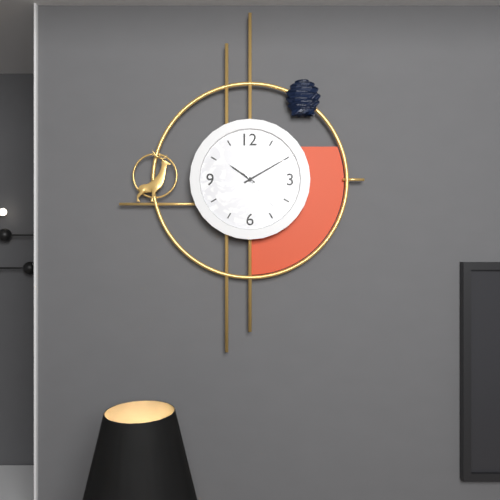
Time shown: 10:10:23
